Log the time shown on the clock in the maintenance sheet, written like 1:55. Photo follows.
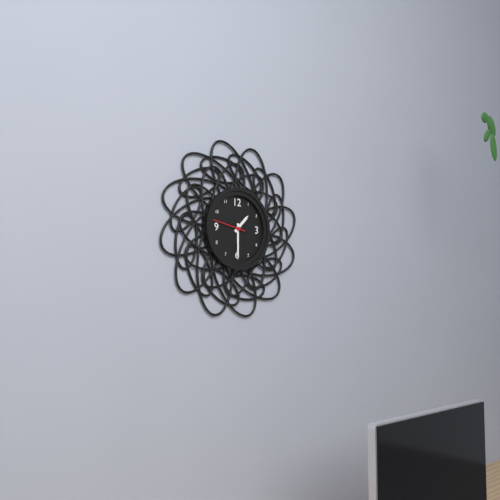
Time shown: 1:30
